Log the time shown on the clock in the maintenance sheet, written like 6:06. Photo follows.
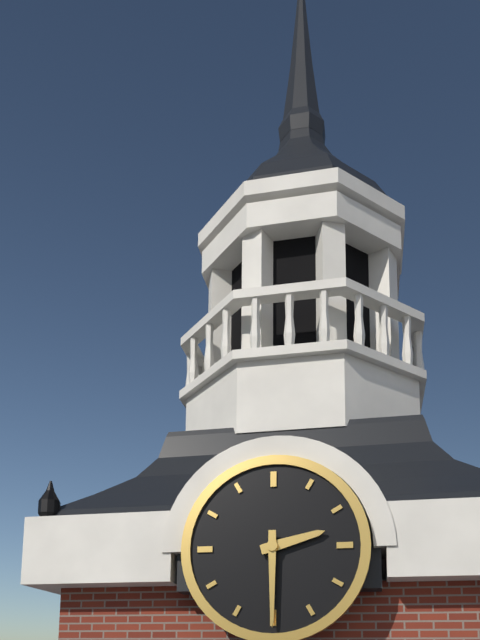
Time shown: 2:30
